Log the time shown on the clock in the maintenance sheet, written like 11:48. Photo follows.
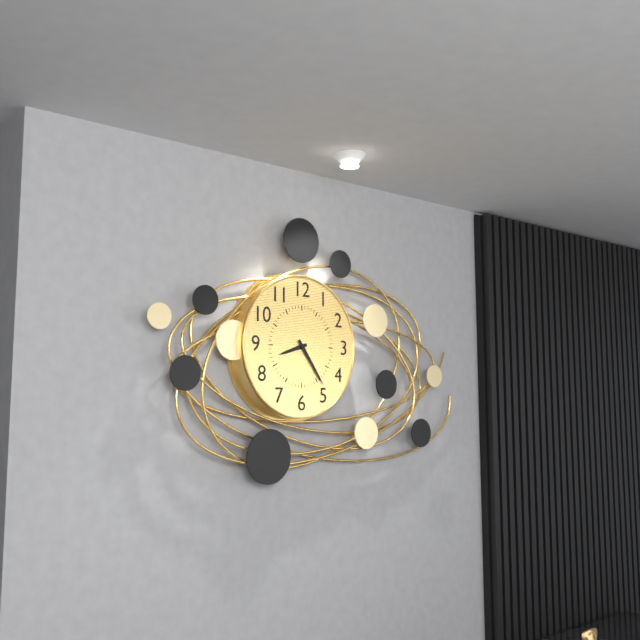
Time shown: 8:24
